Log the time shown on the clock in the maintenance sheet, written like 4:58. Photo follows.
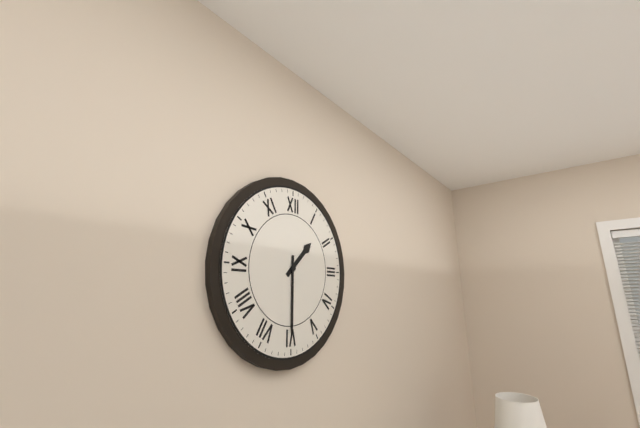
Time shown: 1:30
